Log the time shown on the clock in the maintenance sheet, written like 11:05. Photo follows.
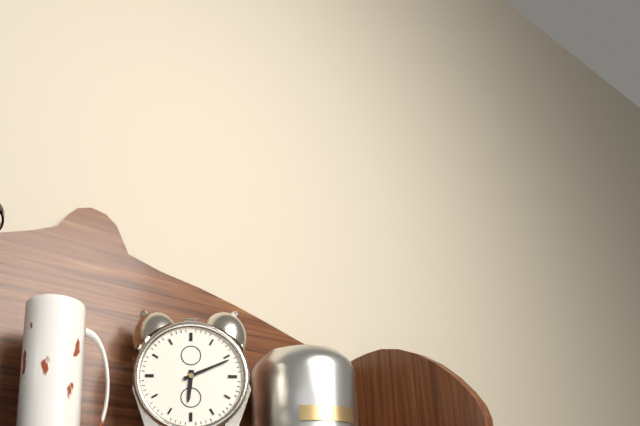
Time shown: 6:11
